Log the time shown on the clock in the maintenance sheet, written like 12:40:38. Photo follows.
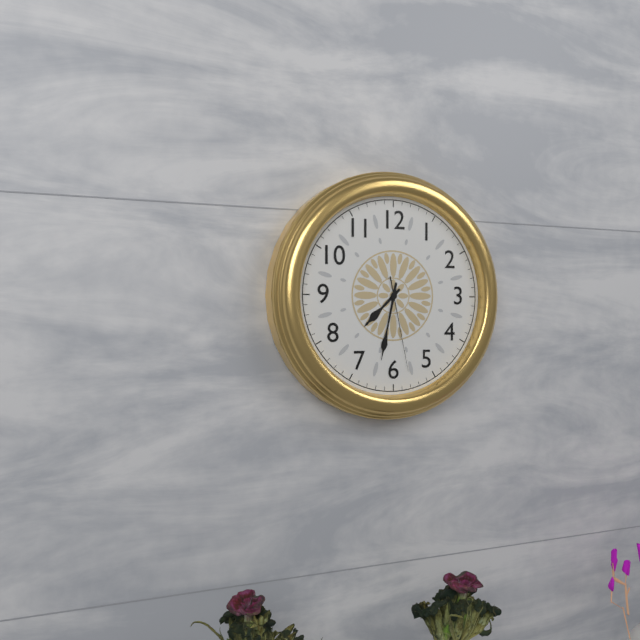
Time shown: 7:32:28
